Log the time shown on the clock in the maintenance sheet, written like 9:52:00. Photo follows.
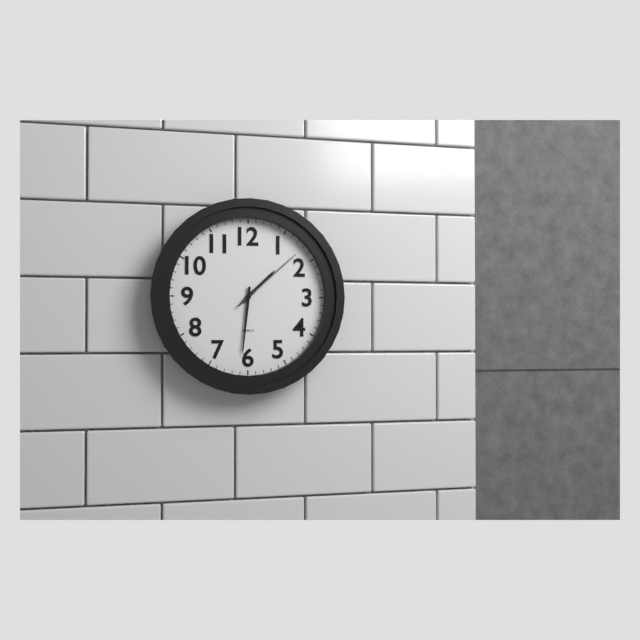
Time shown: 1:31:08
